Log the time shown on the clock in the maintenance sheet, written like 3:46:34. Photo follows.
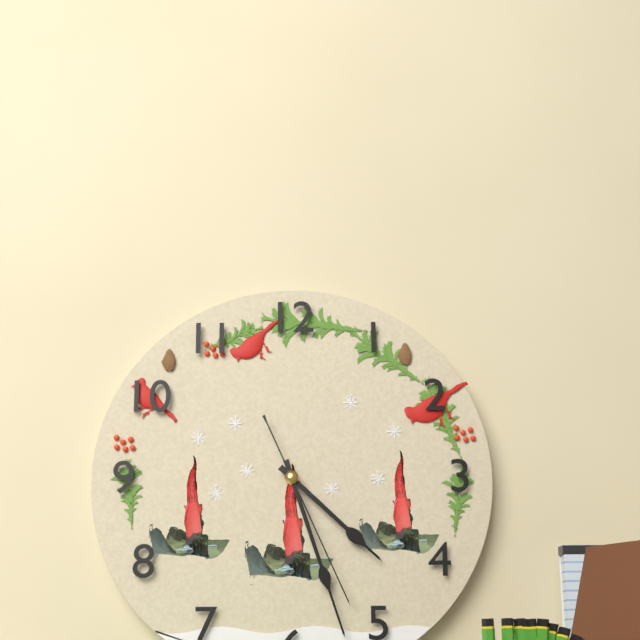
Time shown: 4:27:26
